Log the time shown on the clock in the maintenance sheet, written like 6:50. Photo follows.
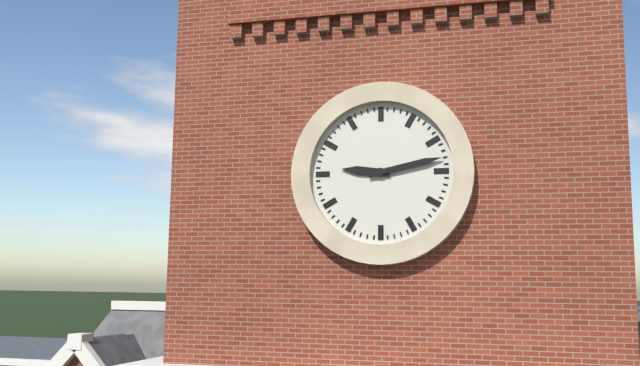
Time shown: 9:13
